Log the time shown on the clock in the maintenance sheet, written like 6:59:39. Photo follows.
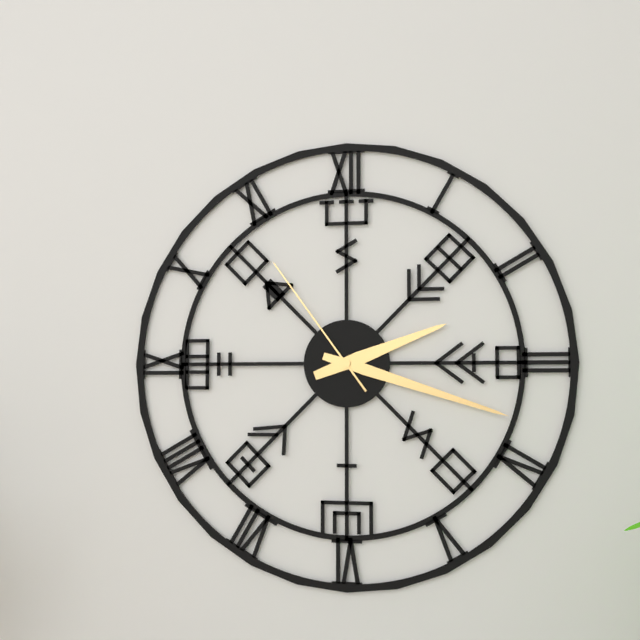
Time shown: 2:18:54
